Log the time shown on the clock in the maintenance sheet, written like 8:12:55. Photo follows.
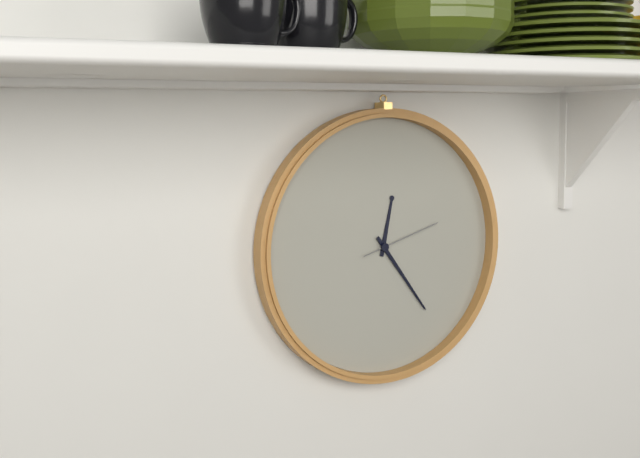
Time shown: 12:24:12
